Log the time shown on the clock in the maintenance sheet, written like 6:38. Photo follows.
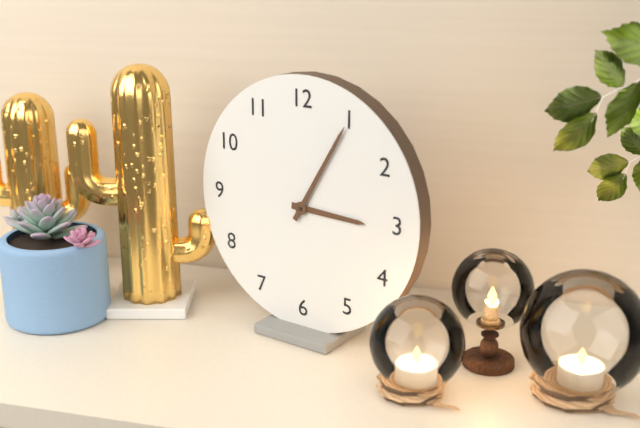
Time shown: 3:05
